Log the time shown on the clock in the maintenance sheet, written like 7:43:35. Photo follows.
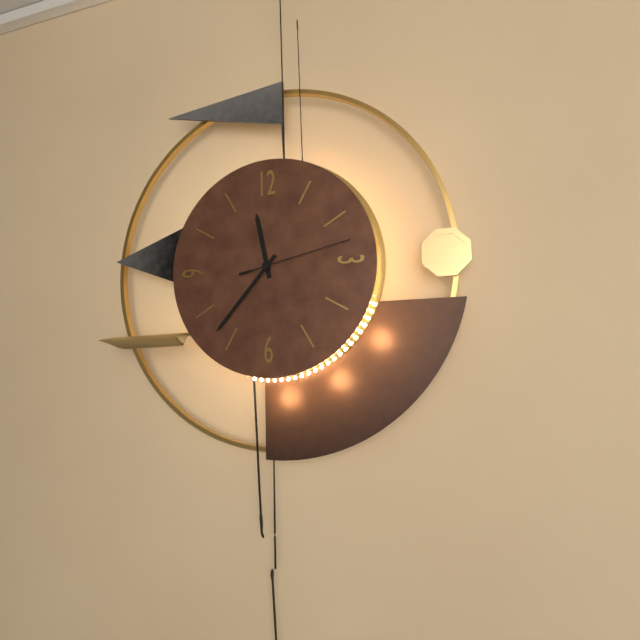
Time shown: 11:37:13
